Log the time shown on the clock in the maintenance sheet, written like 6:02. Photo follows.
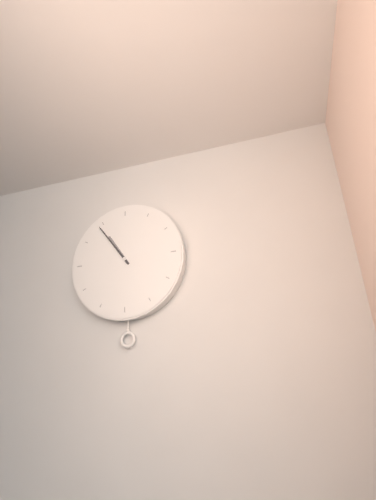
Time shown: 10:54
